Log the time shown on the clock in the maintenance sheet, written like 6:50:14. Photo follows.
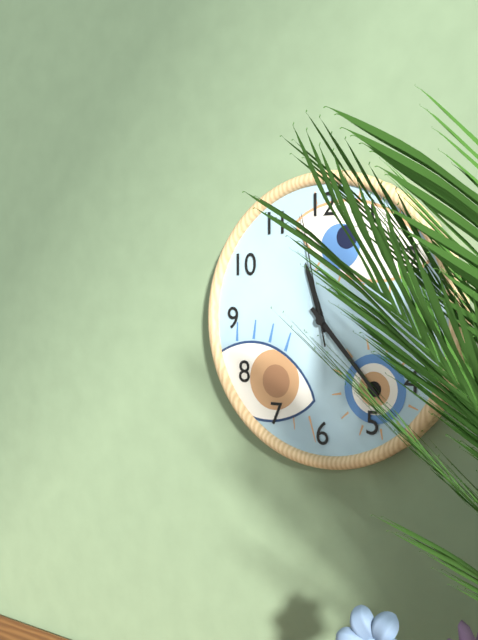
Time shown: 11:23:58
